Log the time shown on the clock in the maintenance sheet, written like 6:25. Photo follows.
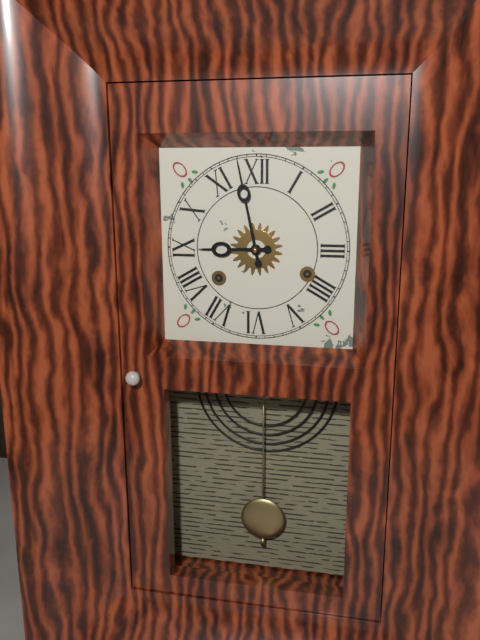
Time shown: 8:58
